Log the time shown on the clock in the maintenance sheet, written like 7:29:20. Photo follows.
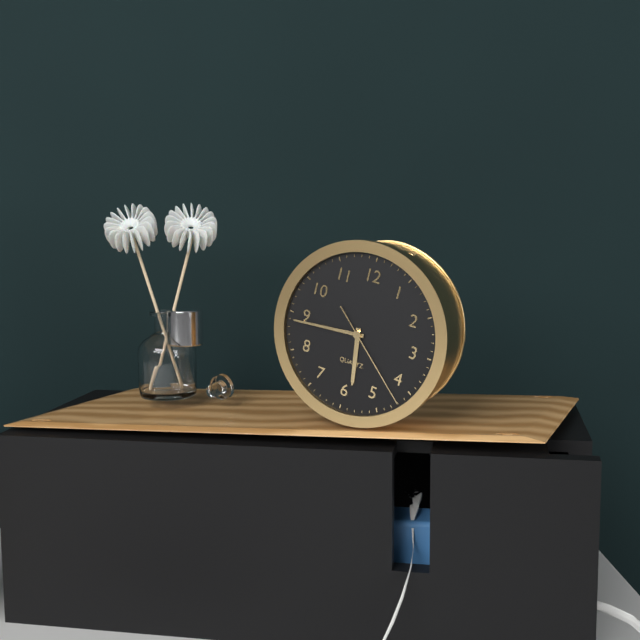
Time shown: 5:44:22
